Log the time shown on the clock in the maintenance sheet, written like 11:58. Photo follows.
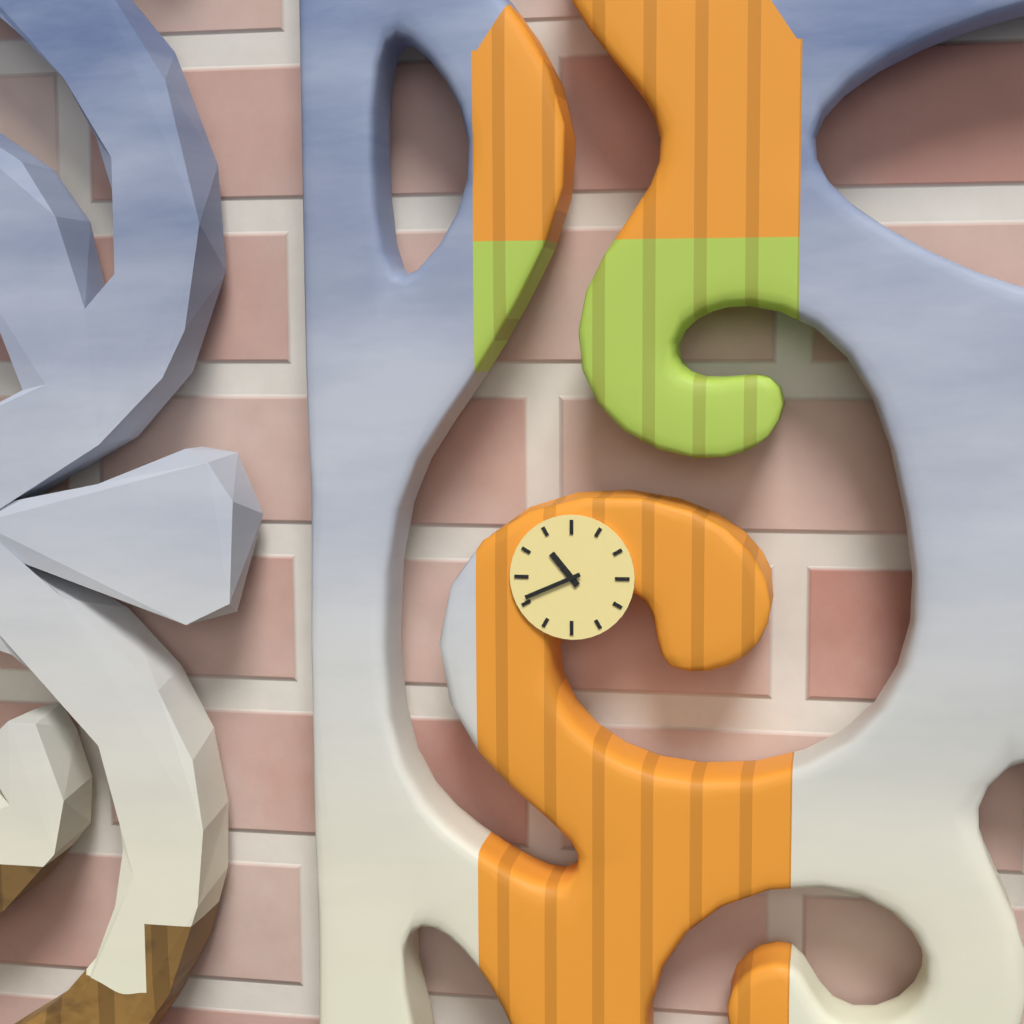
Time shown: 10:41
